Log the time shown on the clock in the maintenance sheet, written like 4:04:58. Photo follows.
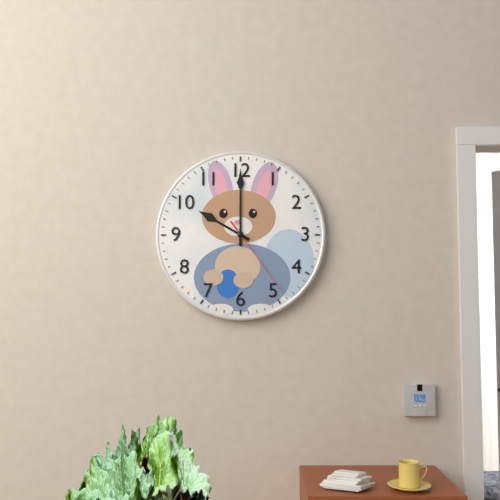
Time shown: 10:00:24
